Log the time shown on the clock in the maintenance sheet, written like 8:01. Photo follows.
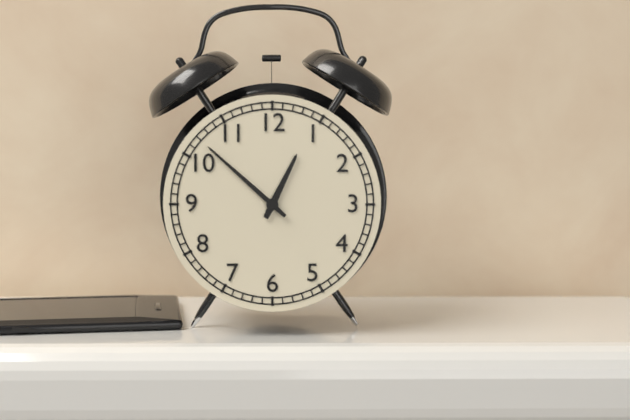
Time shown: 12:52
